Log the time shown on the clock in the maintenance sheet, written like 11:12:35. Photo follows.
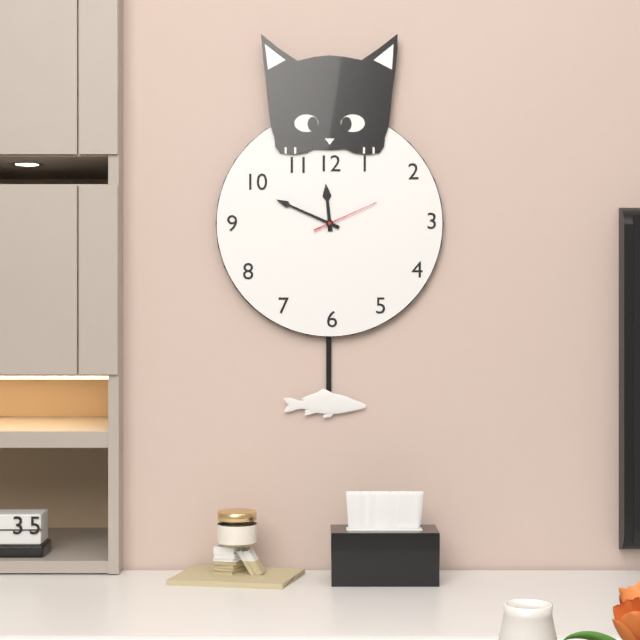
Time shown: 11:49:11
